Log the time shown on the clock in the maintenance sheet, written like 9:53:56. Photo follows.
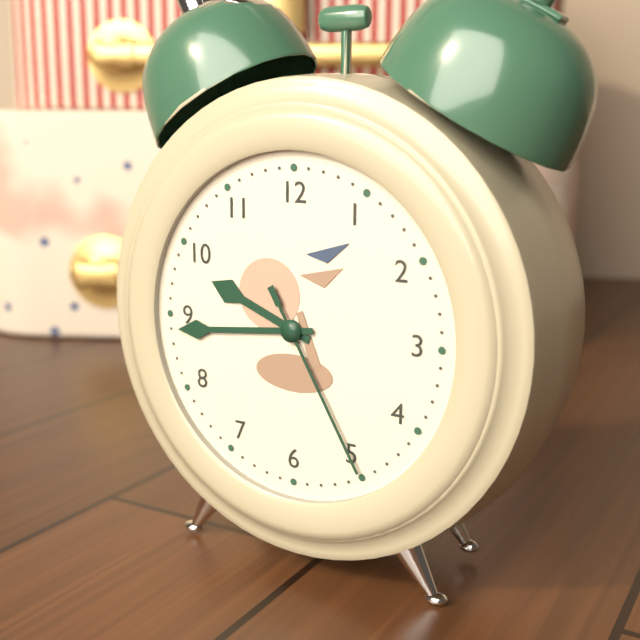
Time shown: 9:44:25
